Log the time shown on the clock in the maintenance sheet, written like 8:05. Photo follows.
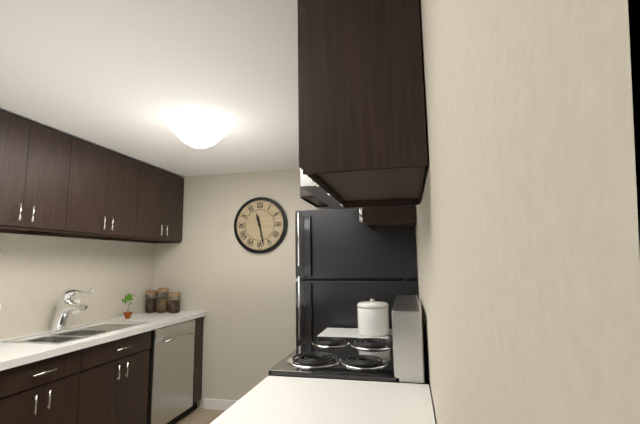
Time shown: 11:28
